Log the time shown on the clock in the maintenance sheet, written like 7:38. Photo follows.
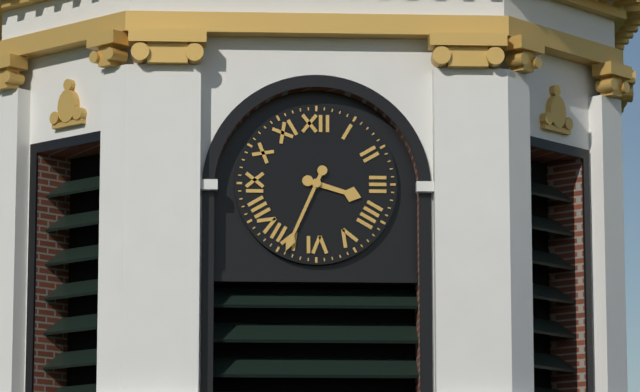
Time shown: 3:34
